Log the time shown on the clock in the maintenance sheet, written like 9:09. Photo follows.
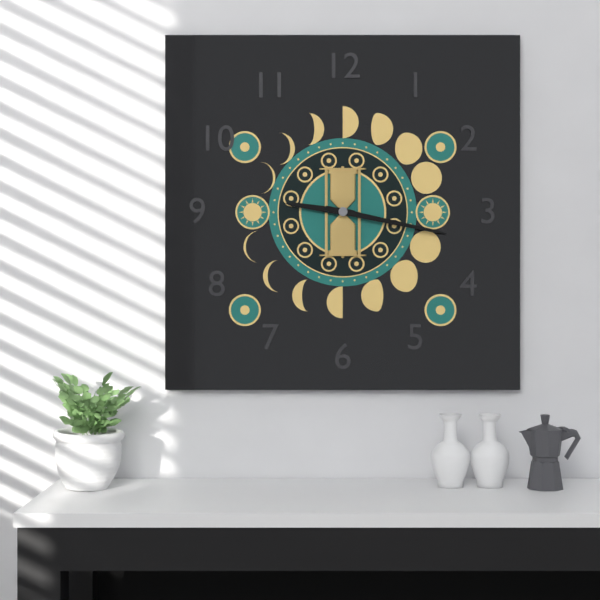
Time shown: 9:17
